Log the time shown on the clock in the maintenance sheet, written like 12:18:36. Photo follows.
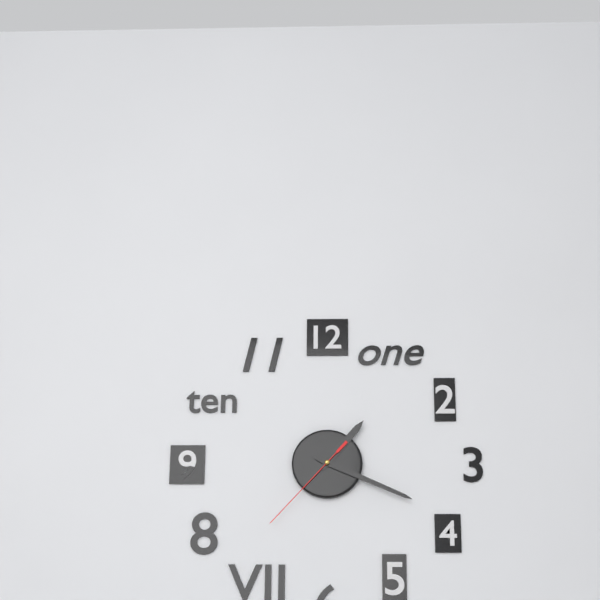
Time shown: 1:19:37
